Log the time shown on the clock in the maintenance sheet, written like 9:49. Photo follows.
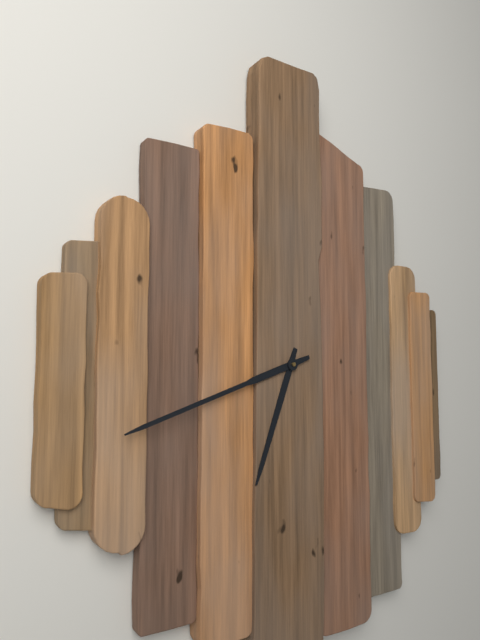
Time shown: 6:42
